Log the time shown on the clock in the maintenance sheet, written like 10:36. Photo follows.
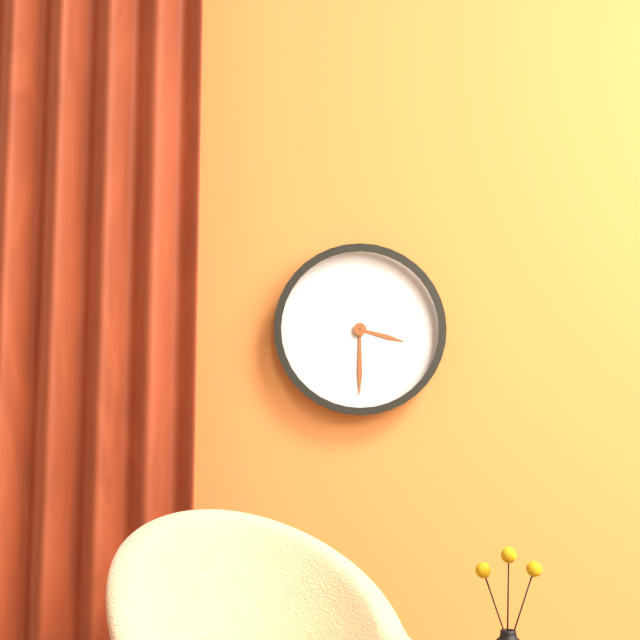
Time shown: 3:30
